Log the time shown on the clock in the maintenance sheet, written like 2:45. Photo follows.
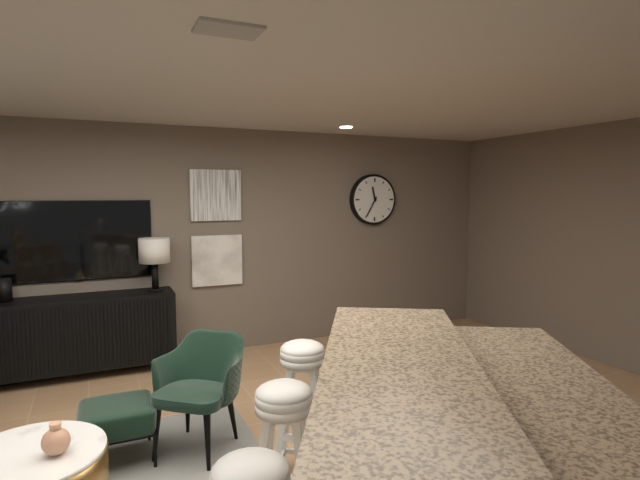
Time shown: 11:35
